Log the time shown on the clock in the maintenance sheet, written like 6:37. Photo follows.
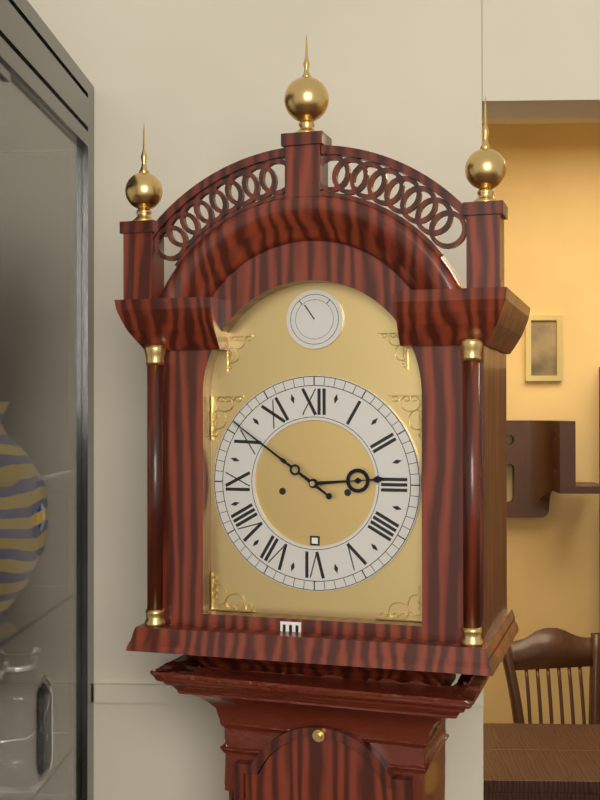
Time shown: 2:51
